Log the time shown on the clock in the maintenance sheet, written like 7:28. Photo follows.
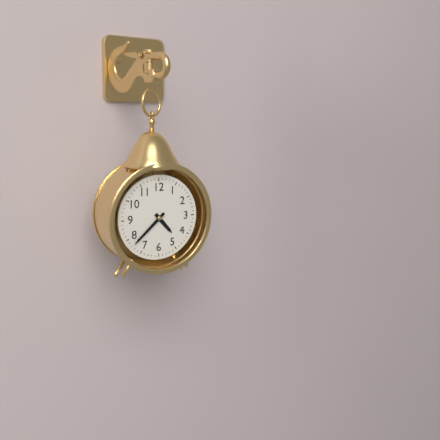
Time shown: 4:38
